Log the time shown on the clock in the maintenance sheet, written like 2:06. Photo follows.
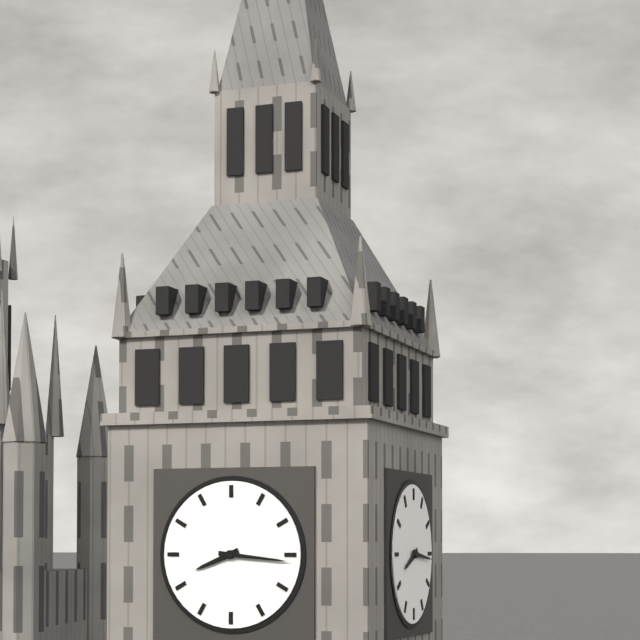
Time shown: 8:16
